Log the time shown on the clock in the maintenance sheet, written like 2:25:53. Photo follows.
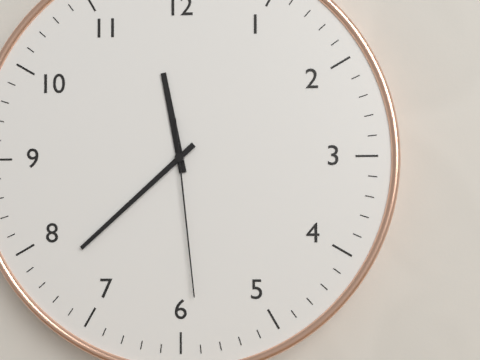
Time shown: 11:38:29
